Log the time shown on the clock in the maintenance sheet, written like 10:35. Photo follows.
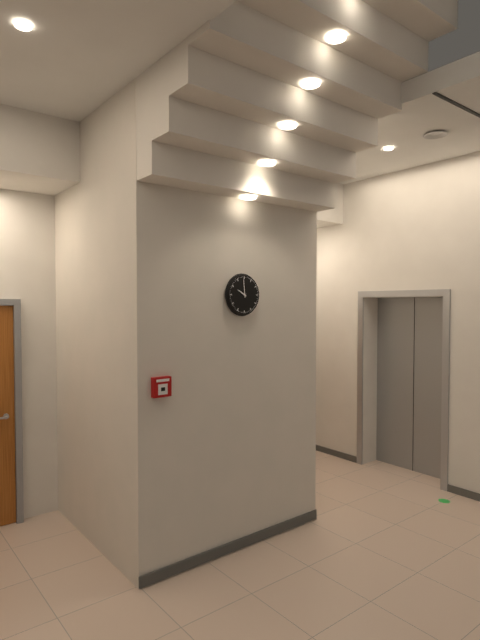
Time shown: 9:59
